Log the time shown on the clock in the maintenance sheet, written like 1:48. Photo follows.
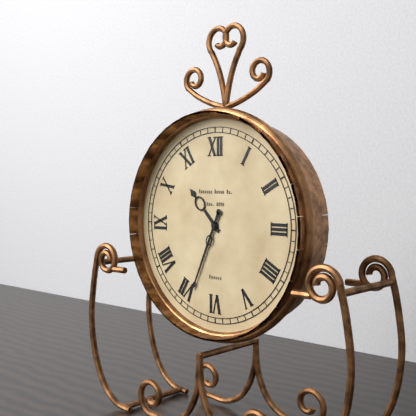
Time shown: 10:34
